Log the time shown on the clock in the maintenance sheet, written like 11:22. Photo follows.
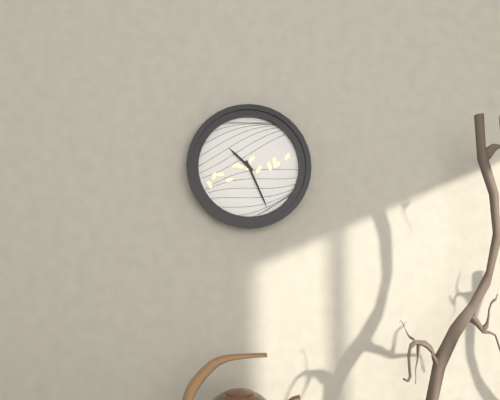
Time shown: 10:26
